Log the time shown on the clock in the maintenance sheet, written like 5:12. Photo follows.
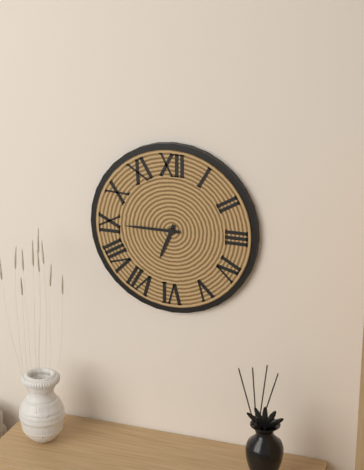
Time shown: 6:45
